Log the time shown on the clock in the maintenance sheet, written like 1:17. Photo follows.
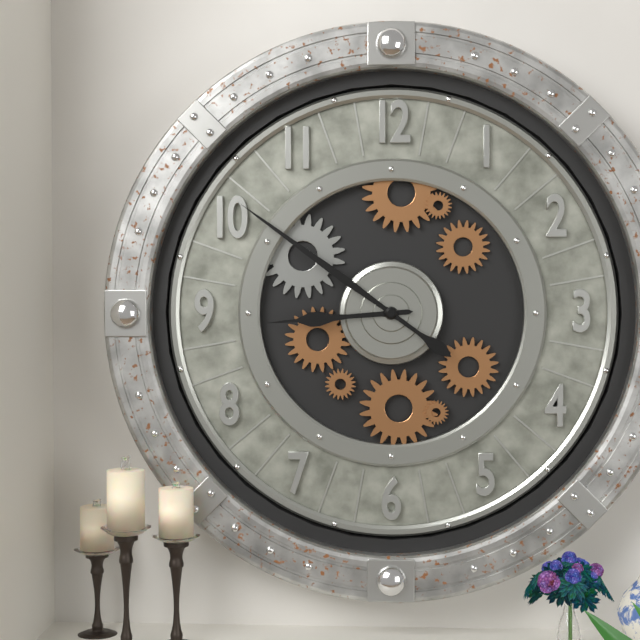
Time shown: 8:51
